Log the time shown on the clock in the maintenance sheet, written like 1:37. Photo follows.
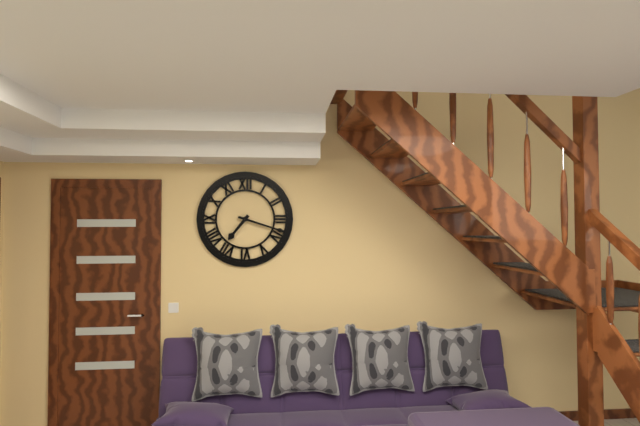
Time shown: 7:18
